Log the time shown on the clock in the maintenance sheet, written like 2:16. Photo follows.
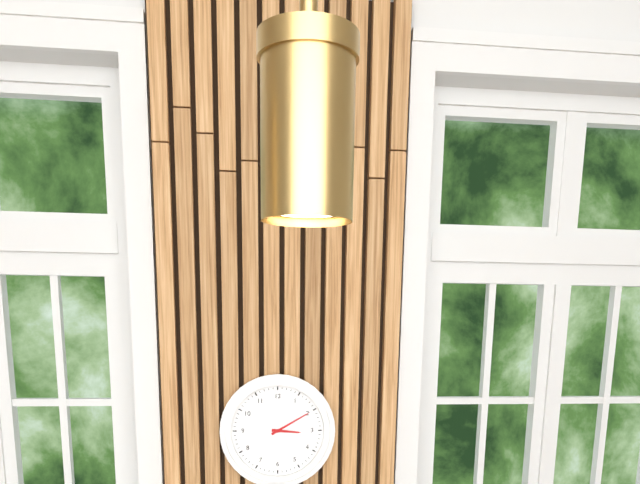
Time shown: 3:10
